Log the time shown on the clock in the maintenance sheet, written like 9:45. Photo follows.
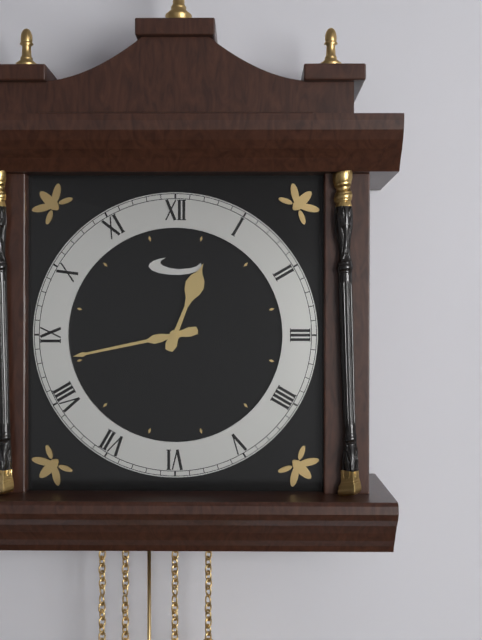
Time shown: 12:43
